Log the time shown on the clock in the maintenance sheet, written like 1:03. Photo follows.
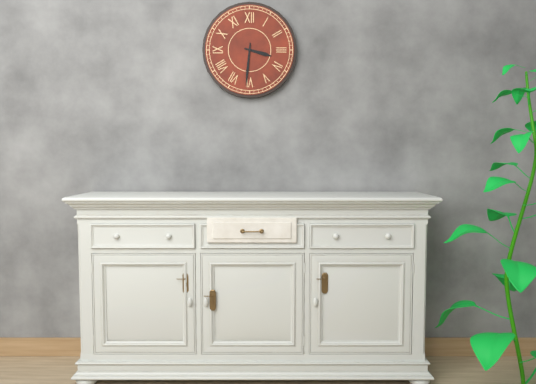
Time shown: 3:31
